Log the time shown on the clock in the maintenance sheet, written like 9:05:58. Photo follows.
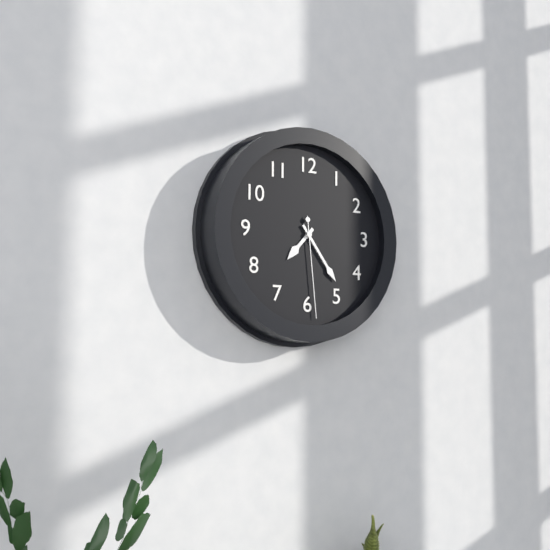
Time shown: 7:24:29
